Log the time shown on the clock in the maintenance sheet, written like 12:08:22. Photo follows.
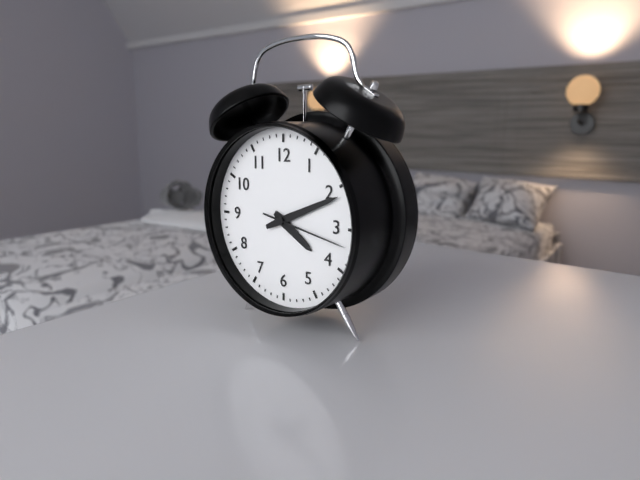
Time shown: 4:11:17
